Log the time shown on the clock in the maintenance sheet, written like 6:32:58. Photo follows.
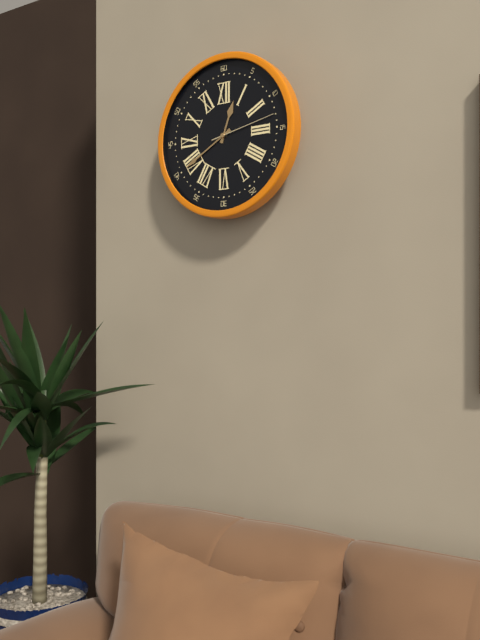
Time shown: 12:40:13
